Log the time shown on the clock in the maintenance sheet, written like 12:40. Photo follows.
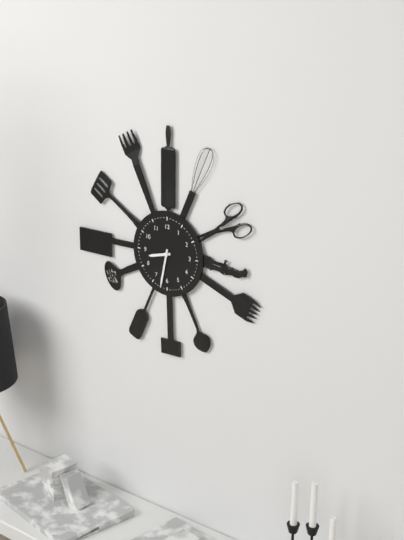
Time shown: 8:32
